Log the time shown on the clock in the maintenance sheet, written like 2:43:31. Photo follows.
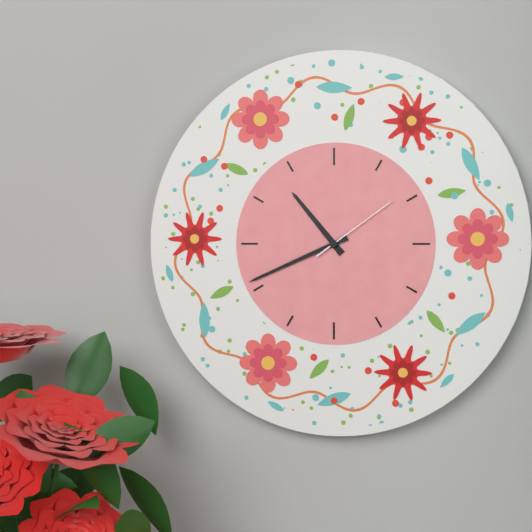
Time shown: 10:41:09
